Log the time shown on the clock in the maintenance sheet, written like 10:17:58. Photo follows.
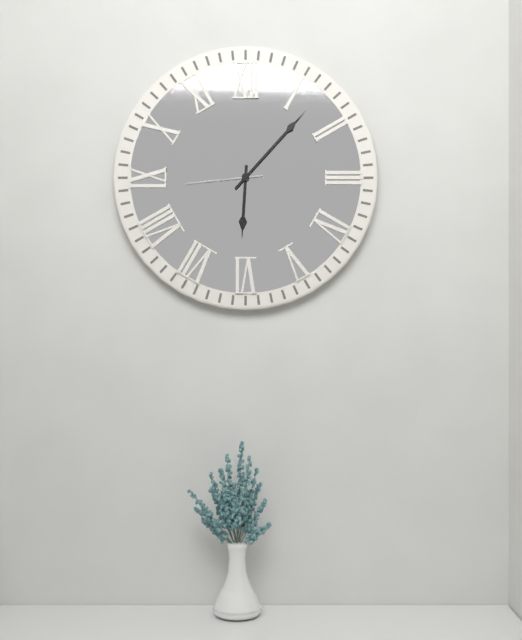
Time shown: 6:07:44
